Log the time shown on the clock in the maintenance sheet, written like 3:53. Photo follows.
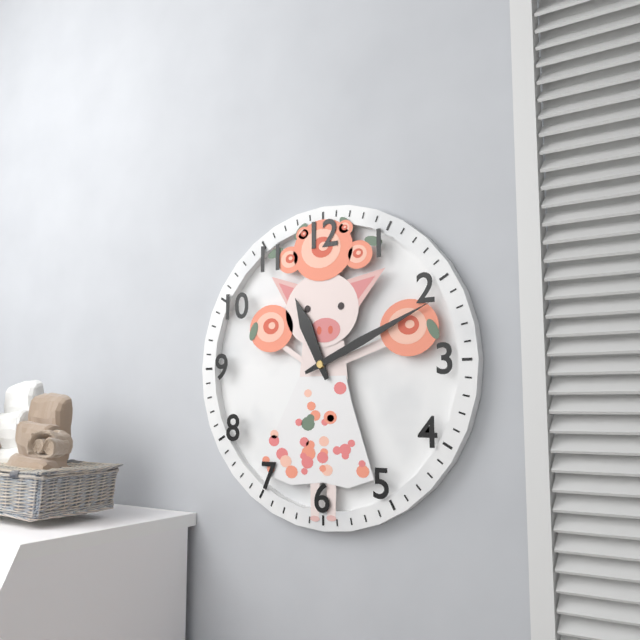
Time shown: 11:11
